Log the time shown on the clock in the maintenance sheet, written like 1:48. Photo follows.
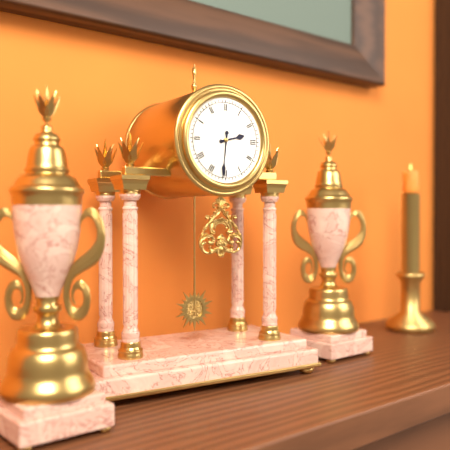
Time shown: 2:31
